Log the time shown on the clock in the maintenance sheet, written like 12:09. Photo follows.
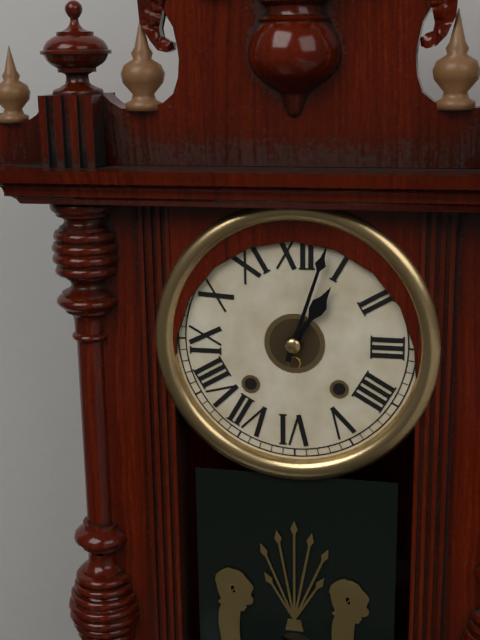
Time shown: 1:03
